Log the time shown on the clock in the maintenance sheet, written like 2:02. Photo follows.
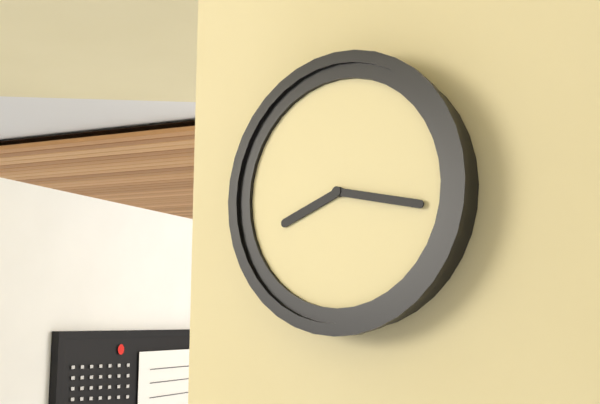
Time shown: 8:17
